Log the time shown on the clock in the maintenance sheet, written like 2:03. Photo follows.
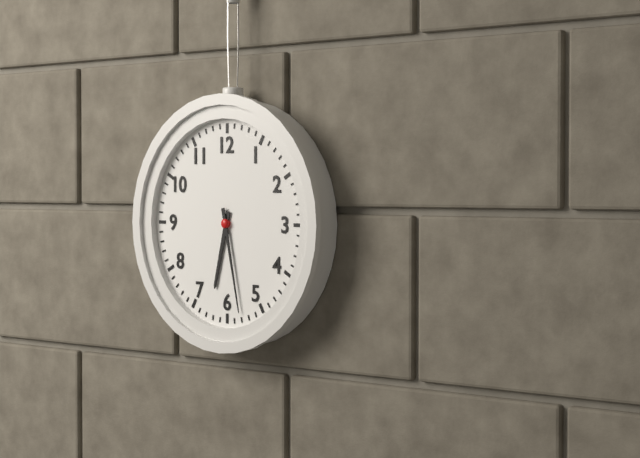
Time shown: 6:28
